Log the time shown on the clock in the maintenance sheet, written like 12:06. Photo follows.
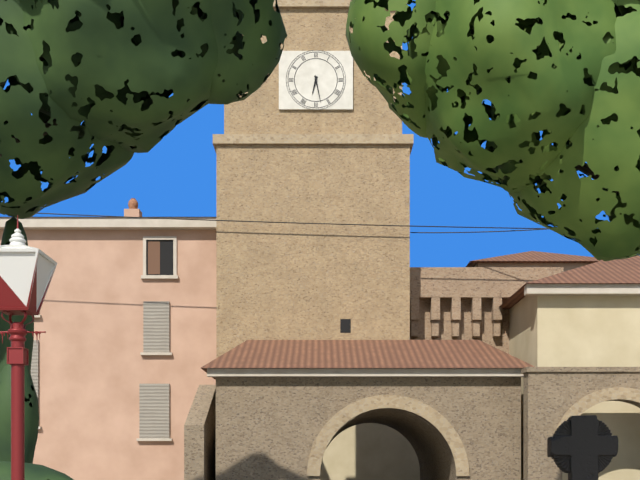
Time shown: 6:28
